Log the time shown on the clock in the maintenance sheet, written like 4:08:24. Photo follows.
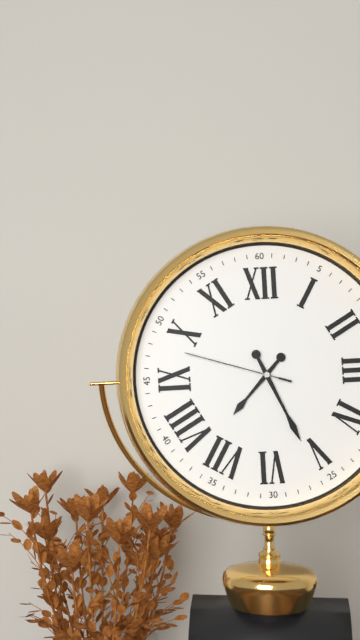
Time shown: 7:26:48
